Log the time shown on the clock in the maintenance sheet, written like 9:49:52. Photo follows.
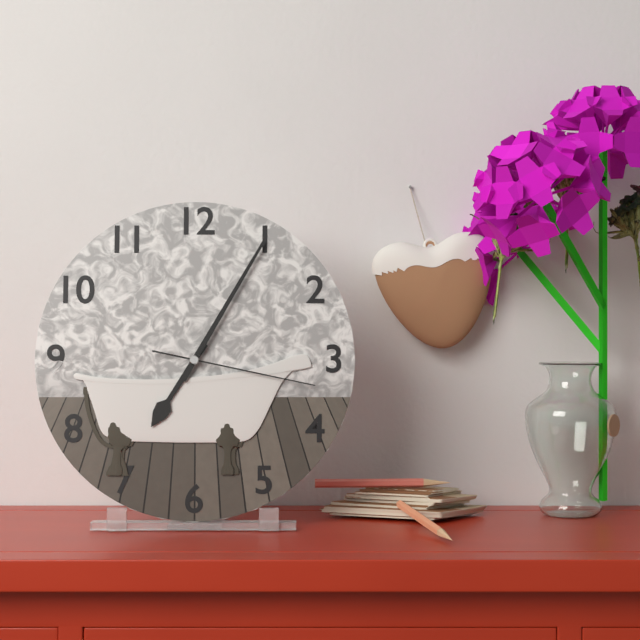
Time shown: 7:05:17
